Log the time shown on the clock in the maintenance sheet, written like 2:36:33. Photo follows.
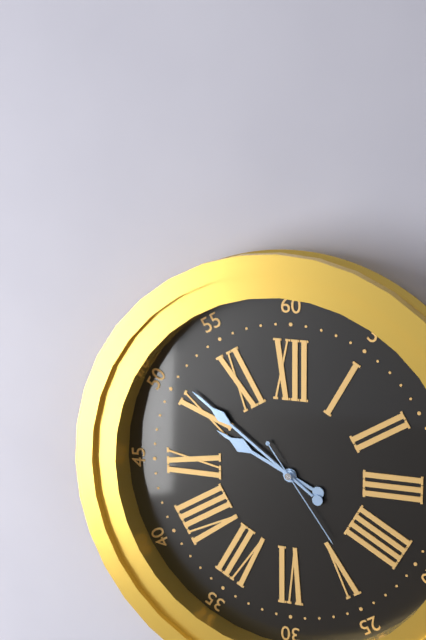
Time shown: 9:51:24
